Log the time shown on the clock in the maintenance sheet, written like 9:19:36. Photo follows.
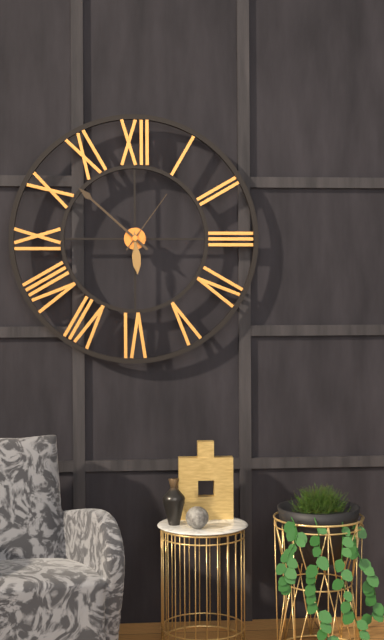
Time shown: 5:52:06
